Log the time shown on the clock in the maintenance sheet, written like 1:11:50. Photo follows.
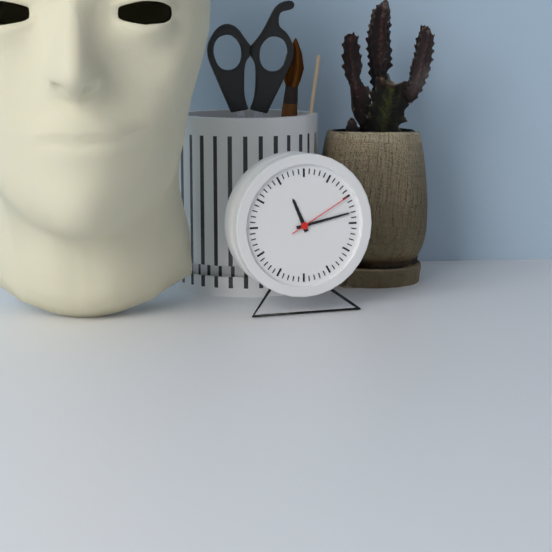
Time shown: 11:13:10
